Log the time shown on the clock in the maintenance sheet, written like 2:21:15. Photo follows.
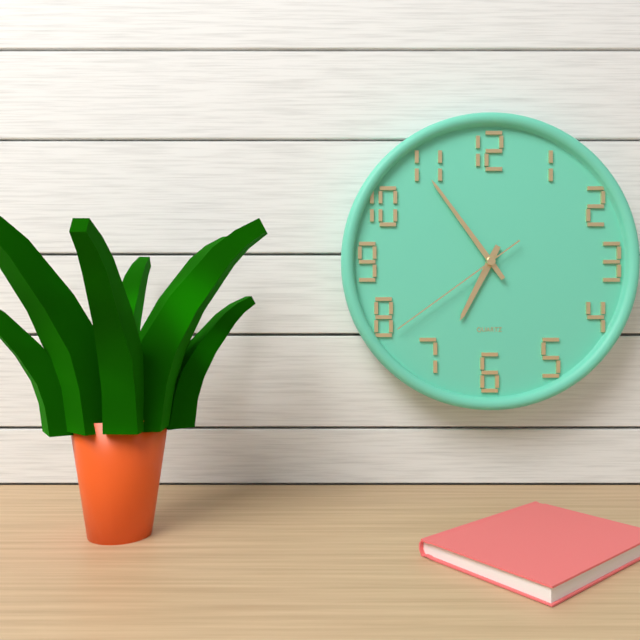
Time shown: 6:54:39
